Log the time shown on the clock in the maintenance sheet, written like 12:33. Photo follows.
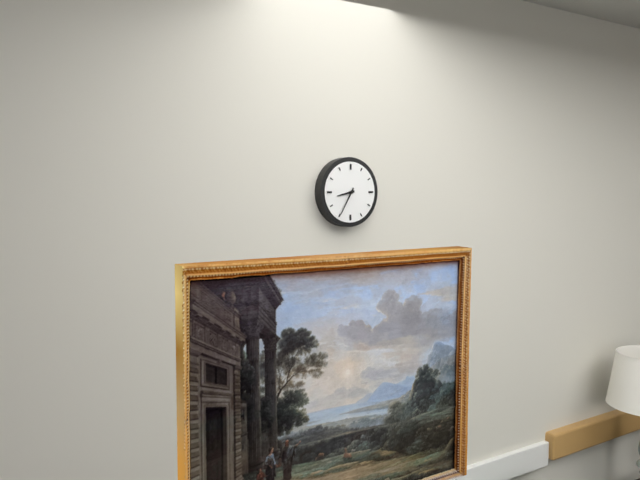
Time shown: 8:35
